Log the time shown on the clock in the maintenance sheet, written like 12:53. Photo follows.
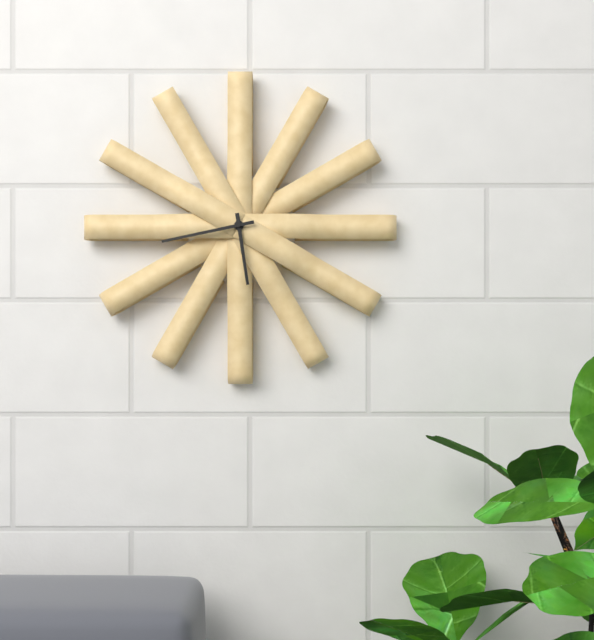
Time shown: 5:43
